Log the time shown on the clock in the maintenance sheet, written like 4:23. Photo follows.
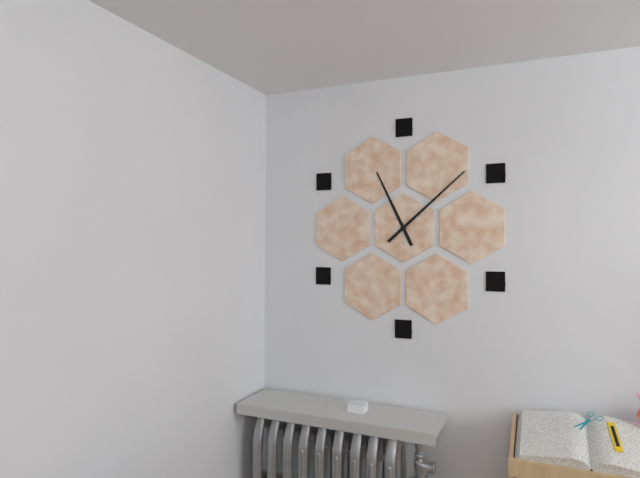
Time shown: 11:08
